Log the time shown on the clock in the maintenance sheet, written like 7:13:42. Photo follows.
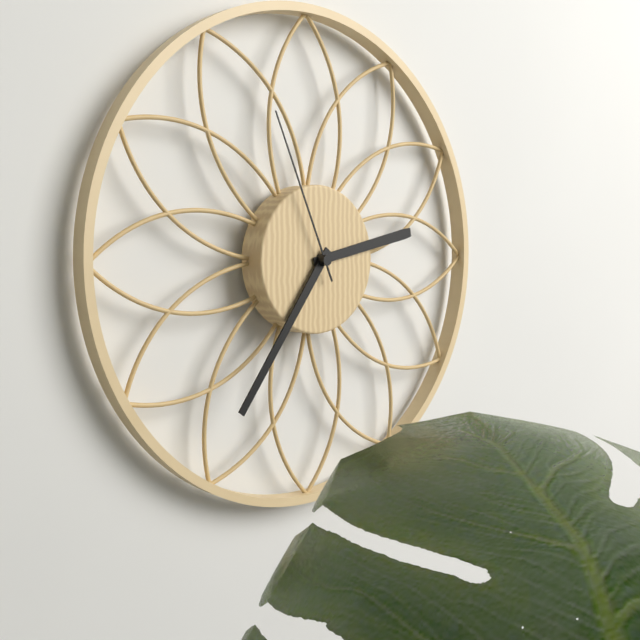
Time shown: 2:36:56
